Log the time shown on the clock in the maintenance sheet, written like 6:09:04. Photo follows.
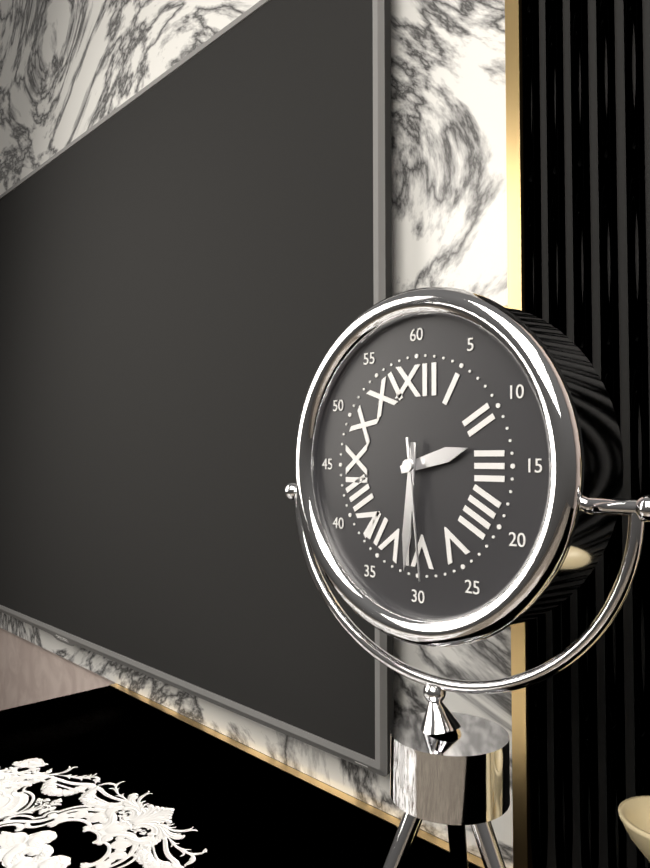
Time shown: 2:31:29
